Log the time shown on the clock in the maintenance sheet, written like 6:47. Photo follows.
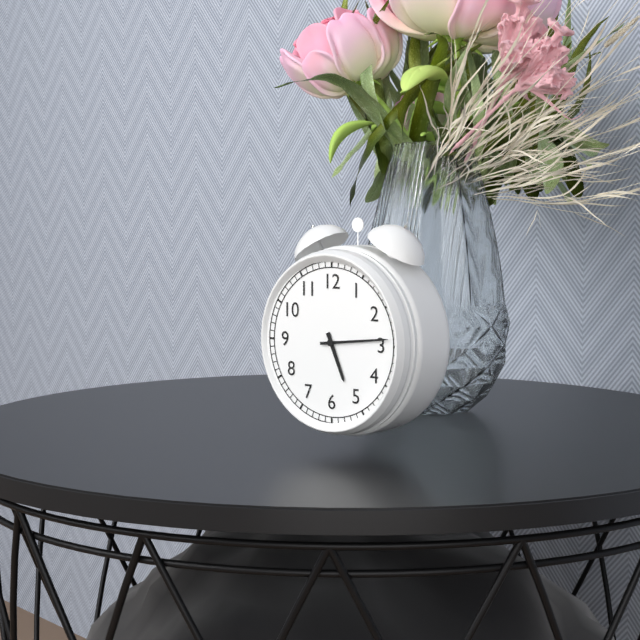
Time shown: 5:14
